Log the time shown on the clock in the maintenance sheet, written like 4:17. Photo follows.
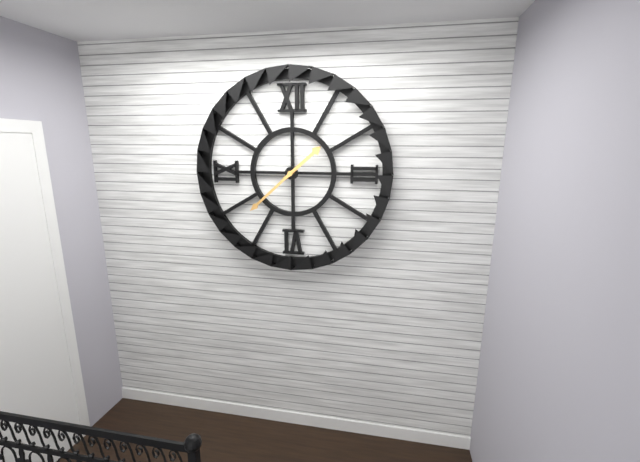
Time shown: 1:38
